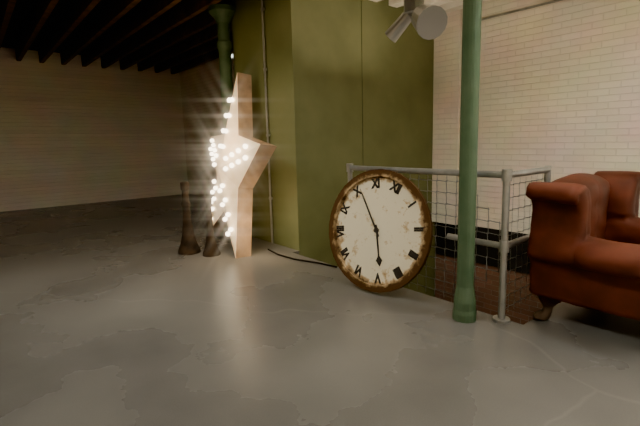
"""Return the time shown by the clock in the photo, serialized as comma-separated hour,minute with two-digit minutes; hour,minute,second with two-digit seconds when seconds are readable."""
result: 4,51
